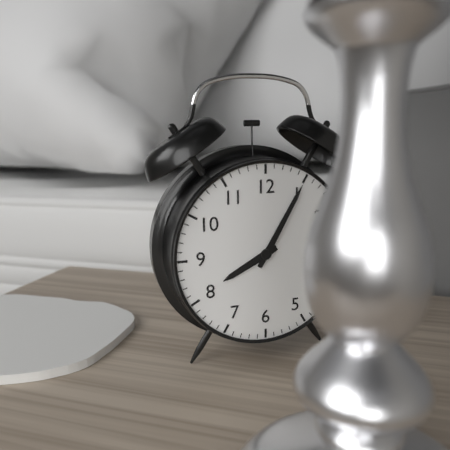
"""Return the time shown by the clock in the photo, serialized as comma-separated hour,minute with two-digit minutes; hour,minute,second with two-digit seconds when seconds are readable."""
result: 8,05
